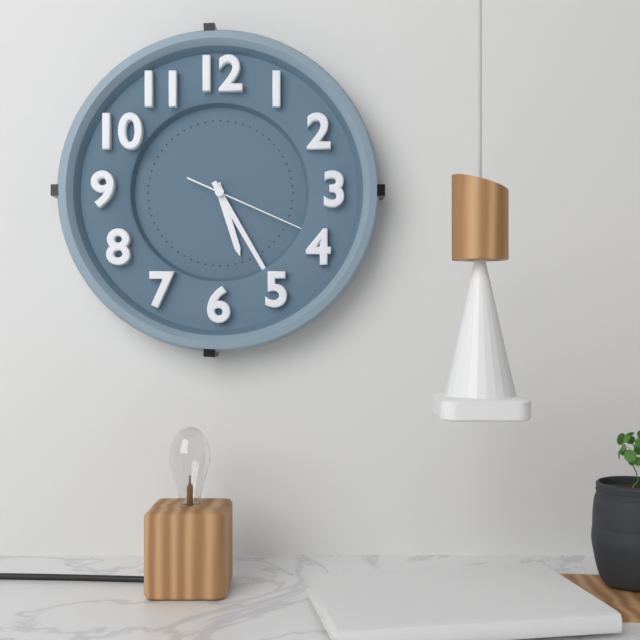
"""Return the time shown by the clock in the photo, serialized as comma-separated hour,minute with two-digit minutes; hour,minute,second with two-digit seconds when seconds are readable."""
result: 5,25,19
